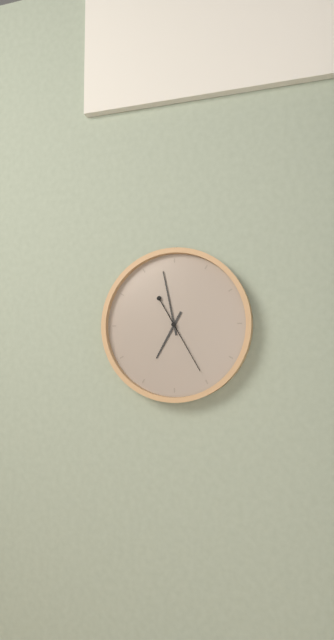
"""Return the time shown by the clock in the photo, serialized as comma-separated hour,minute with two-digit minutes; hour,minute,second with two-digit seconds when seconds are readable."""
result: 6,58,25
